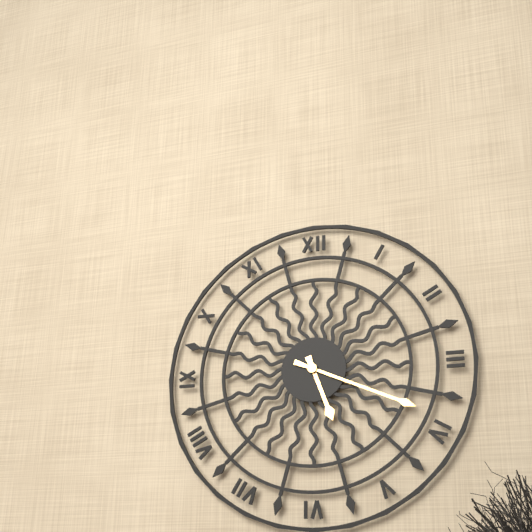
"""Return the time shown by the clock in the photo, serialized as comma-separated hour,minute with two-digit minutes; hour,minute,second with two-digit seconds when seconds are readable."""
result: 5,19
